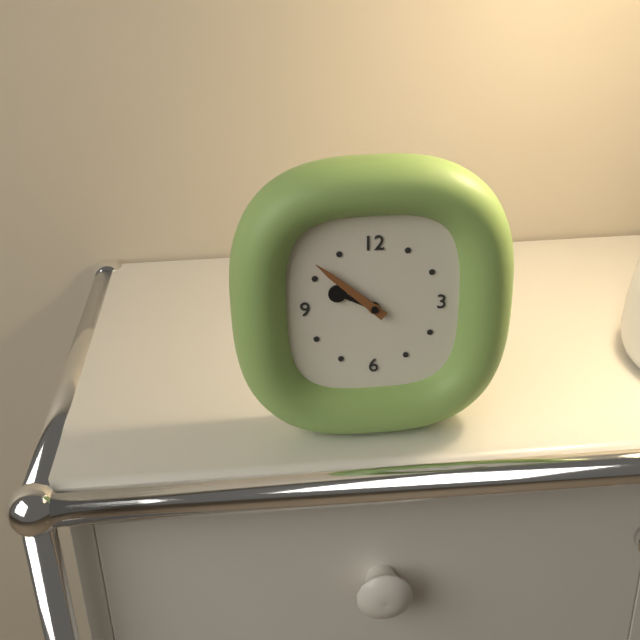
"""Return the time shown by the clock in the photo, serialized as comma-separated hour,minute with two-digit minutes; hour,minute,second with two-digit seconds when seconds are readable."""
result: 9,52
